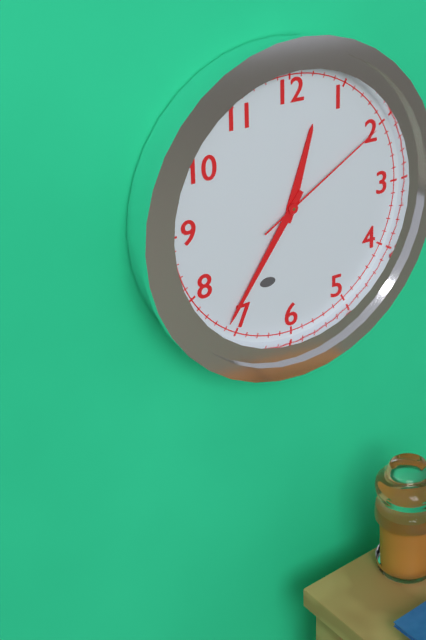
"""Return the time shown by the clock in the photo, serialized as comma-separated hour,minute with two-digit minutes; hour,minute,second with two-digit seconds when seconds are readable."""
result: 12,36,10
